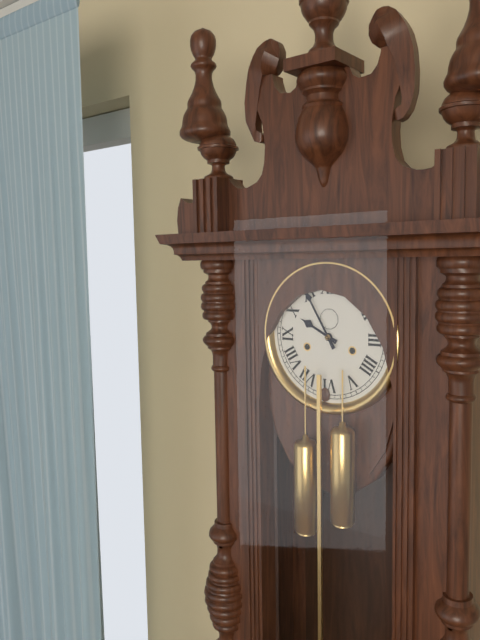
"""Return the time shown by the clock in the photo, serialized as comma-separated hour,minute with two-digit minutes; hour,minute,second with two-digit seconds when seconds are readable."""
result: 9,55
